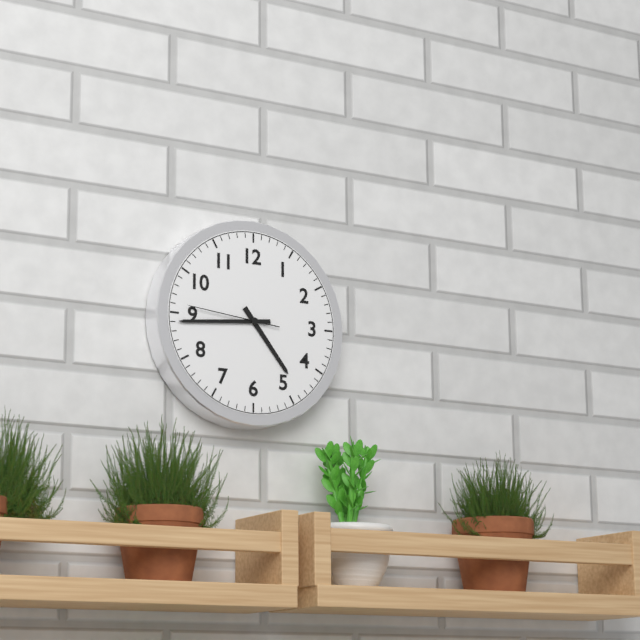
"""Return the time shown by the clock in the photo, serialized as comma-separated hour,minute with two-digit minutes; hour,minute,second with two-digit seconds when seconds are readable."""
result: 4,44,46
